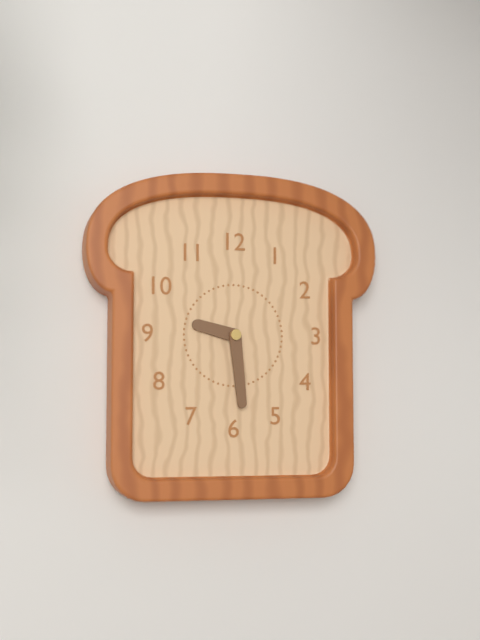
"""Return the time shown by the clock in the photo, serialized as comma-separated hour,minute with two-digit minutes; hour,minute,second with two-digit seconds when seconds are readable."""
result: 9,29
